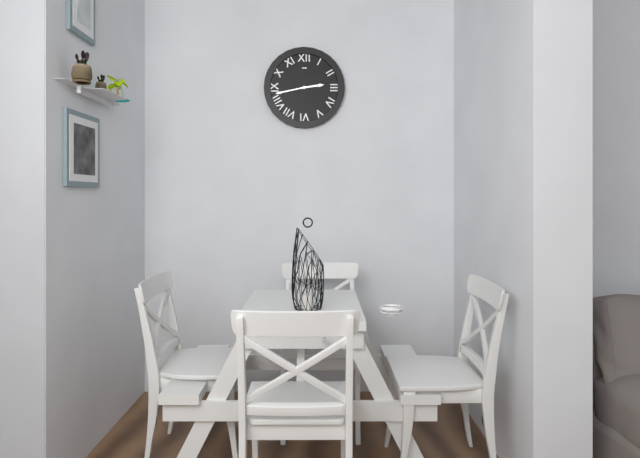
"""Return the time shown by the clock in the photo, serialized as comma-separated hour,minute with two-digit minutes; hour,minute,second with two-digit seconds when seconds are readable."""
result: 2,43
